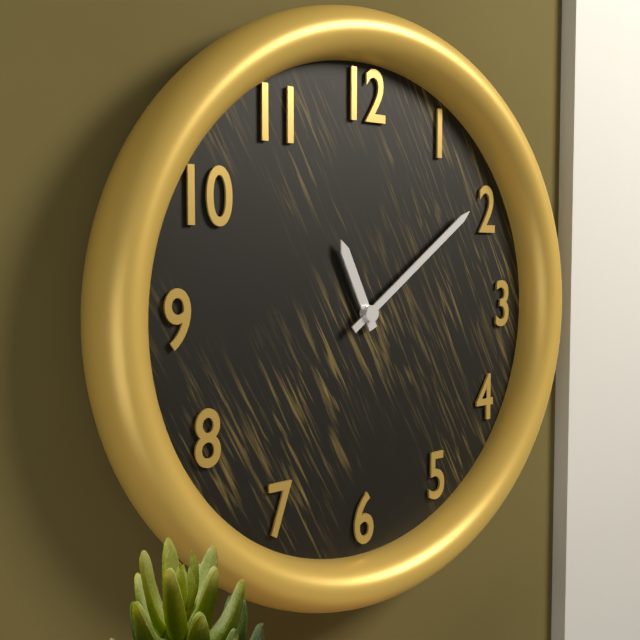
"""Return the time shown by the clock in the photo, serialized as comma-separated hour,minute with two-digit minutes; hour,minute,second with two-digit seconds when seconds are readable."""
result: 11,09
